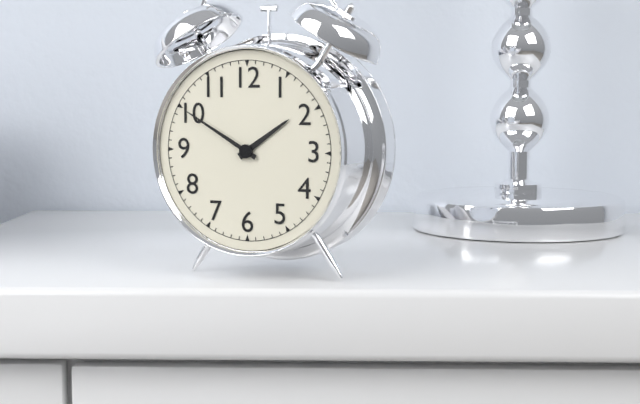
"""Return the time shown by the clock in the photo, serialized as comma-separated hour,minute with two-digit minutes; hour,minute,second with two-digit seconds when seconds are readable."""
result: 1,50
